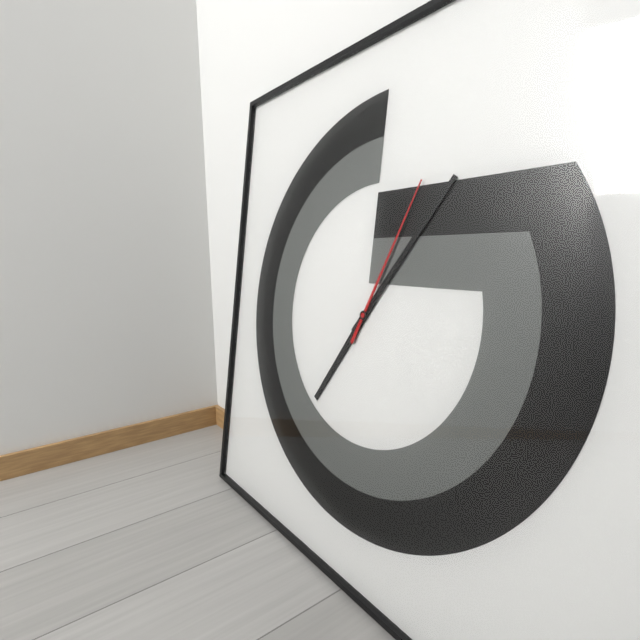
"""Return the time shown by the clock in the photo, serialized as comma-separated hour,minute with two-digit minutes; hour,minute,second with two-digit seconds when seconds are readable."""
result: 7,06,04
